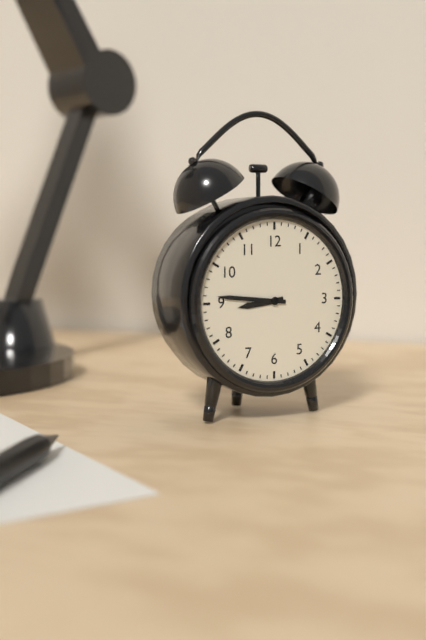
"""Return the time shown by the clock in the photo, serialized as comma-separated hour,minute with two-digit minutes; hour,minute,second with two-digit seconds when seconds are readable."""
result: 8,46
